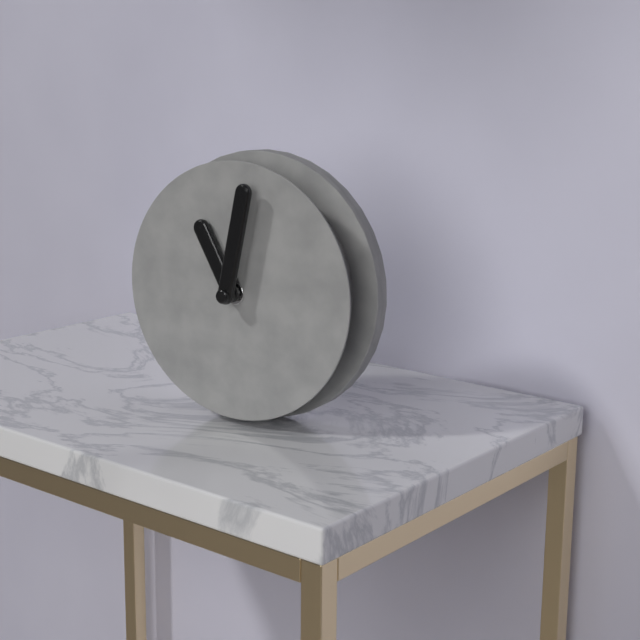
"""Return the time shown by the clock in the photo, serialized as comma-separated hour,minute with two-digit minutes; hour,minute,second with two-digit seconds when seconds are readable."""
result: 11,02
